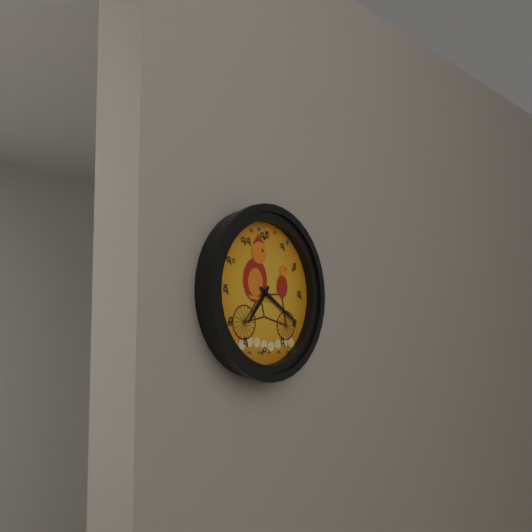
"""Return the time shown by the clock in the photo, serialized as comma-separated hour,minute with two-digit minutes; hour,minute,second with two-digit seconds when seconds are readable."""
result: 7,20
